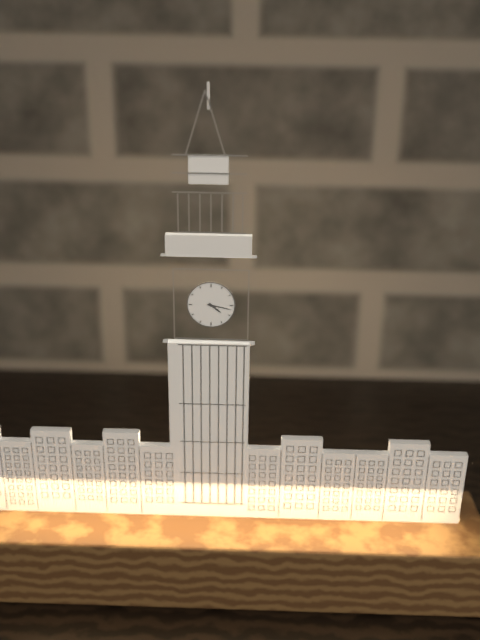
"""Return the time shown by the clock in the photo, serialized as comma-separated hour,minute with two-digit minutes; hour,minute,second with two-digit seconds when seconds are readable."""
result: 4,17
